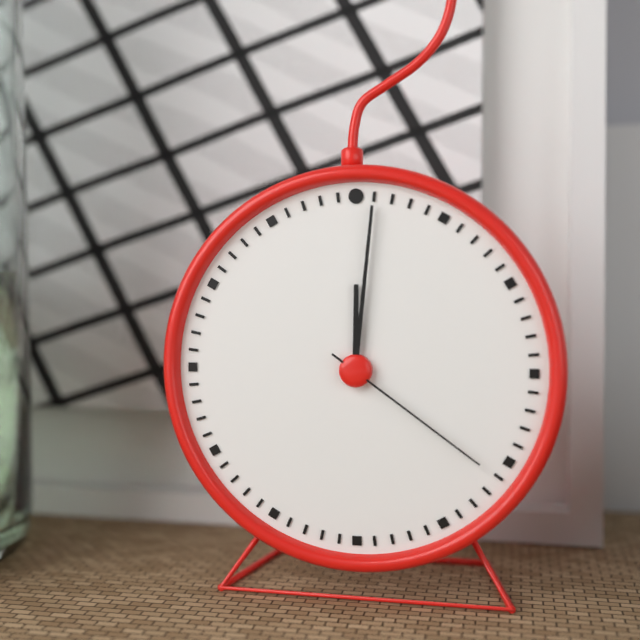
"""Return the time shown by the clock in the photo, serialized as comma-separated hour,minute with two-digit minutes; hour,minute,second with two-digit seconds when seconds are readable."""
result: 12,01,21
